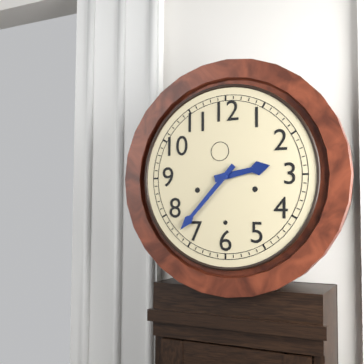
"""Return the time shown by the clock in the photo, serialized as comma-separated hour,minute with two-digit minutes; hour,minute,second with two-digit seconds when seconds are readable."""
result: 2,37
